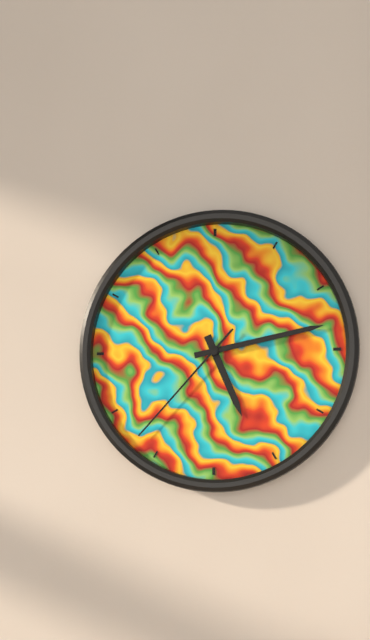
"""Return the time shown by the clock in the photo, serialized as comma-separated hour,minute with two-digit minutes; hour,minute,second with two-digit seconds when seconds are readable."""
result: 5,13,37
